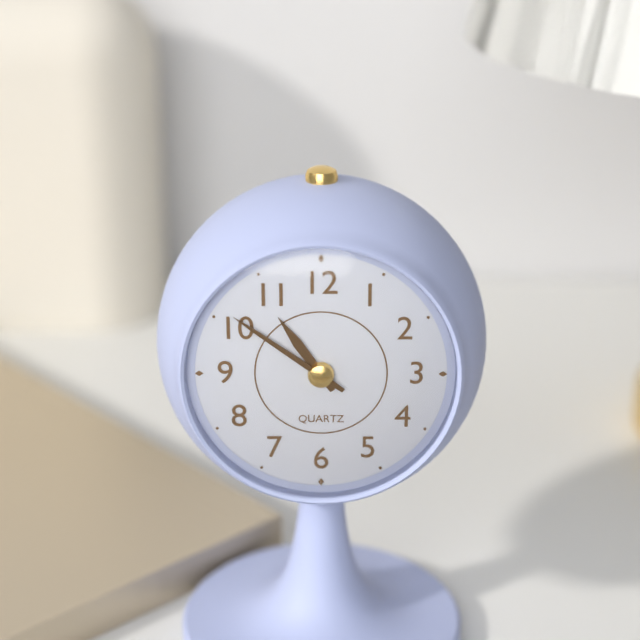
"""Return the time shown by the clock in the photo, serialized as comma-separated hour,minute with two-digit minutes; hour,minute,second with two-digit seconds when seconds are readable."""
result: 10,51
